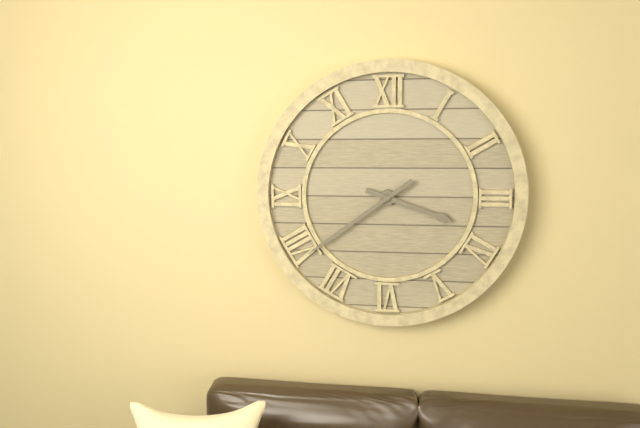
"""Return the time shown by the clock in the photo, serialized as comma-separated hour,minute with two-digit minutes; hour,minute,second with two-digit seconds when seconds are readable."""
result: 3,39
